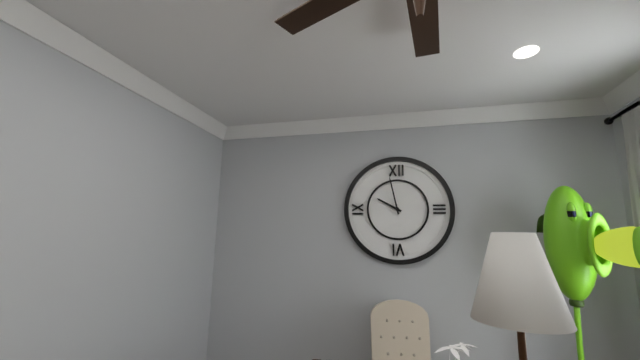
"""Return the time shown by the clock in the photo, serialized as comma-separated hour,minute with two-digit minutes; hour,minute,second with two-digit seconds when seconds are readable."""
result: 9,58
